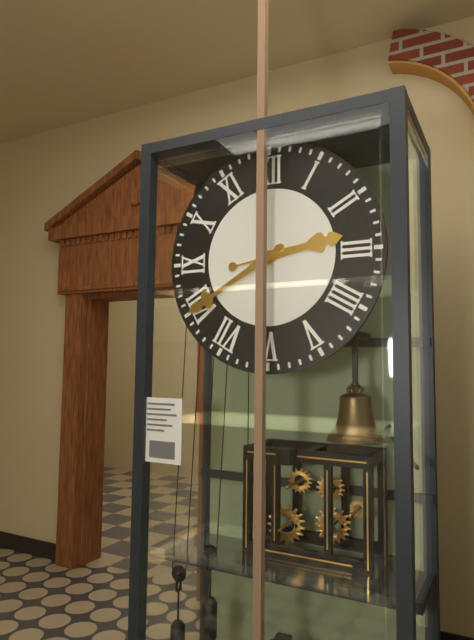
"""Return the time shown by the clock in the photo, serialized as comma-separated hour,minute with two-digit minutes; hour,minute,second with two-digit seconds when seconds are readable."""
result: 2,40
